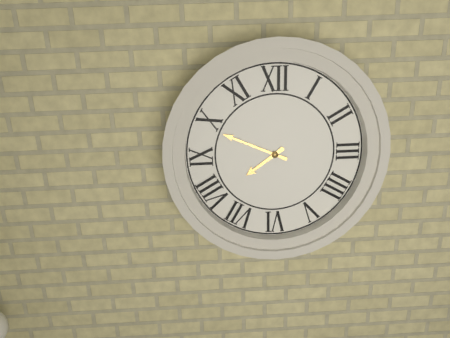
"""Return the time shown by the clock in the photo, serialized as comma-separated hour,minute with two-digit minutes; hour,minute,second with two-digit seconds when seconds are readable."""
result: 7,49
